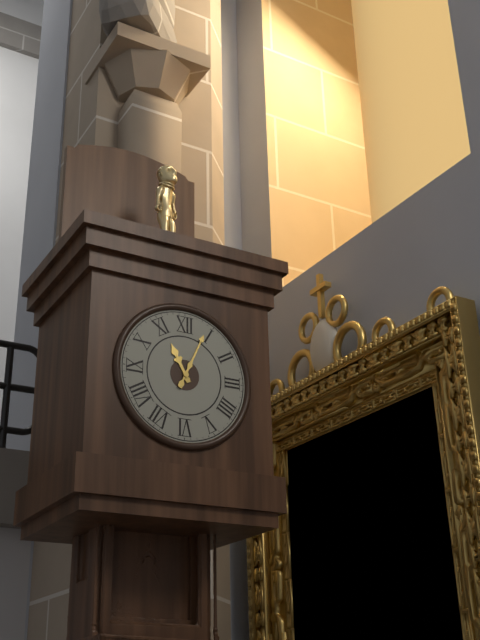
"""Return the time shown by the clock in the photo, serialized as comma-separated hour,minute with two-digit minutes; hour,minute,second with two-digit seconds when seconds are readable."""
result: 11,04
